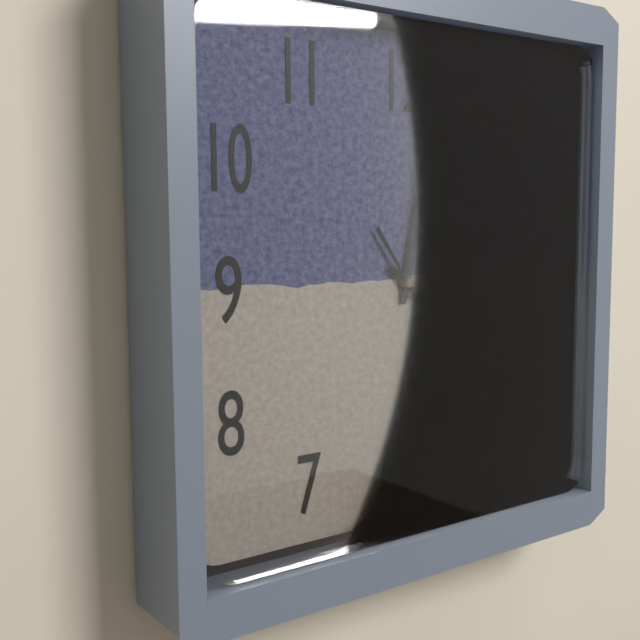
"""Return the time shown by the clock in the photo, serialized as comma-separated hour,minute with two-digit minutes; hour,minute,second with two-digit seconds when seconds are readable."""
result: 12,21,24
